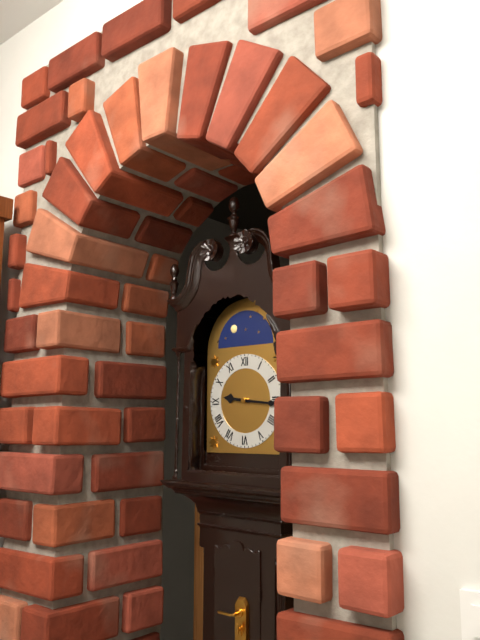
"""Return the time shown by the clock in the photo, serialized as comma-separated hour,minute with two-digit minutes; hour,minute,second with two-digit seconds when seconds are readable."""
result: 9,16
